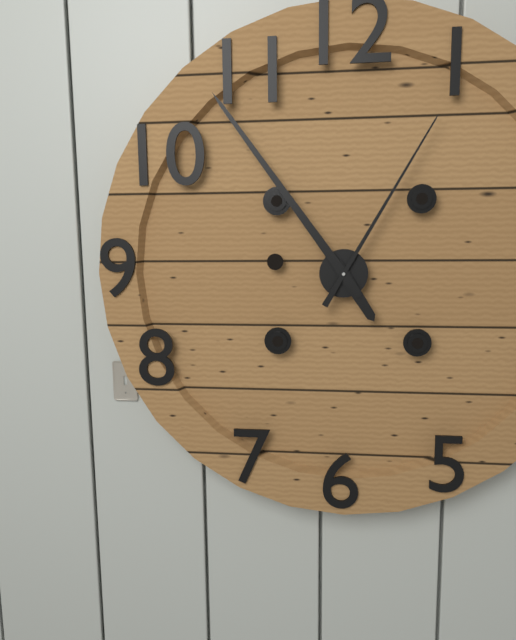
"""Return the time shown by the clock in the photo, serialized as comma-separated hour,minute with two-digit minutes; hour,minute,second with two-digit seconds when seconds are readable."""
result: 4,54,05
